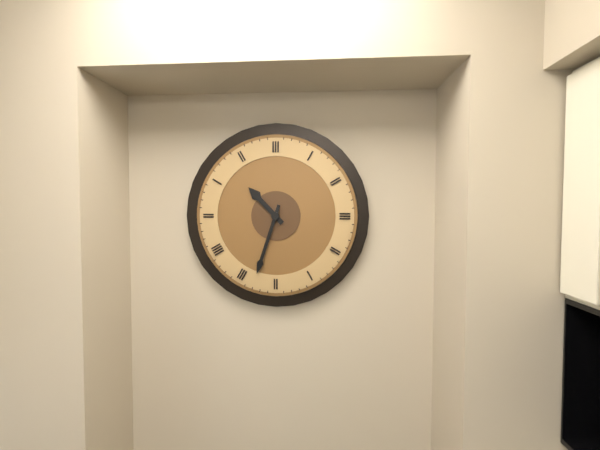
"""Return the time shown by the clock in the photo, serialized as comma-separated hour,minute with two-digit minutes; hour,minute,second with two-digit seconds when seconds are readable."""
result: 10,33
